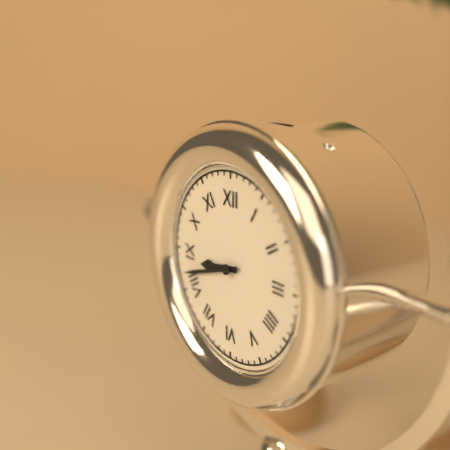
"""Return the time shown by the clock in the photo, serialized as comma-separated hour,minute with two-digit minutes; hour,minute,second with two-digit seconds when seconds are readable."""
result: 8,42
